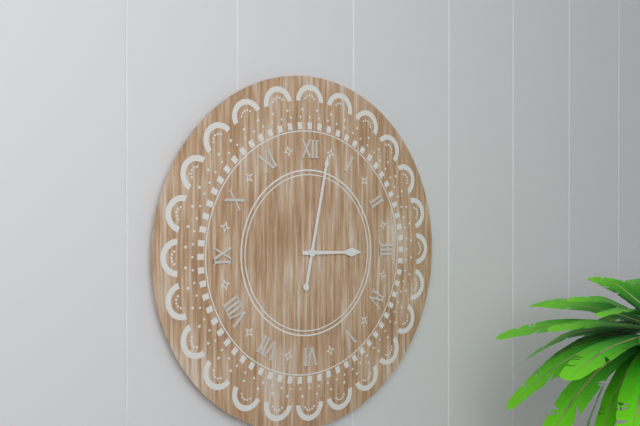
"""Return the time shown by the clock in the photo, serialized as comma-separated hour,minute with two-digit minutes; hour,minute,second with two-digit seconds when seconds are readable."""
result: 3,02
